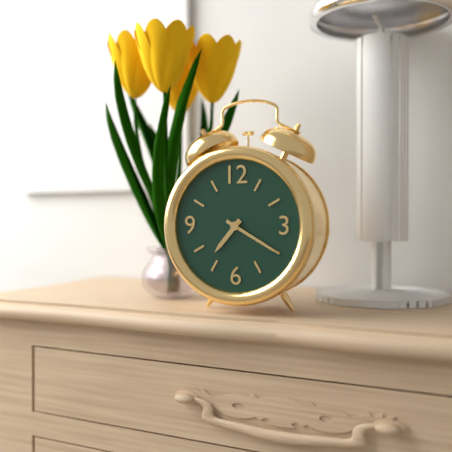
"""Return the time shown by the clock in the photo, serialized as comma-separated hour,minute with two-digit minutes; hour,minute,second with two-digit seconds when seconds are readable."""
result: 7,20
